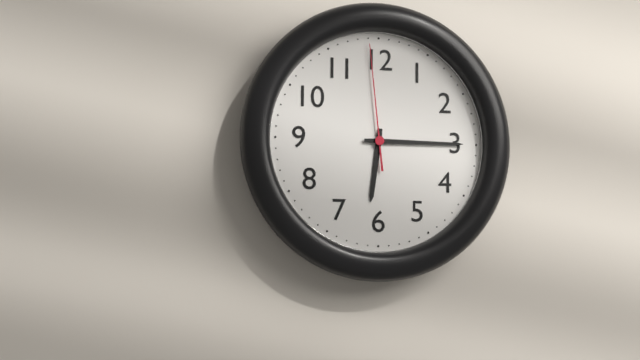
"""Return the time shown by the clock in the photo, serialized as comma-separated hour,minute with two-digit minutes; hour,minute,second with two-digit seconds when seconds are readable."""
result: 6,15,59
